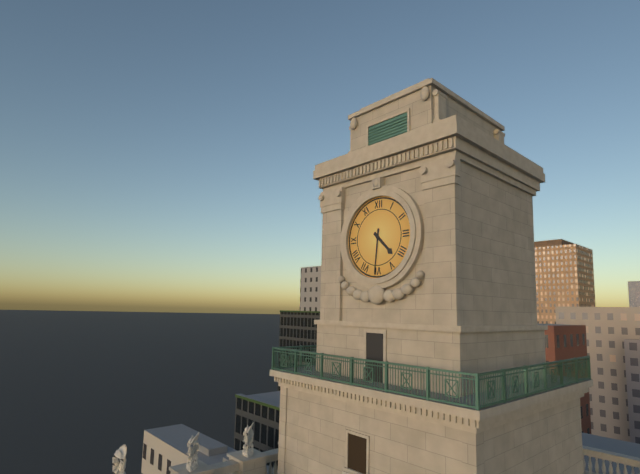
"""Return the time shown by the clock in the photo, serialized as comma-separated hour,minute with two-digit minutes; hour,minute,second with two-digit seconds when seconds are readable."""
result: 4,31
